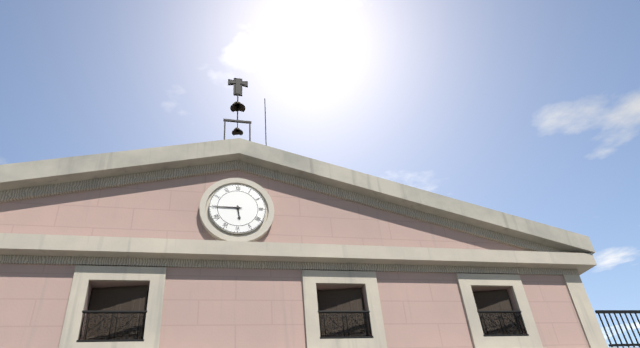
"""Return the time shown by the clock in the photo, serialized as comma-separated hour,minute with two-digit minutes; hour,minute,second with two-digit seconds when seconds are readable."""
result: 5,45
